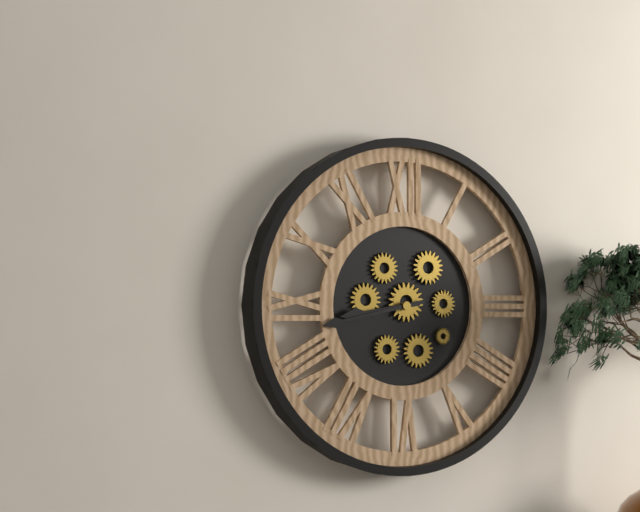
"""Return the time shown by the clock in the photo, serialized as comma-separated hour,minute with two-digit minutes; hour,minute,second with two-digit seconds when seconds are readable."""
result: 8,43
